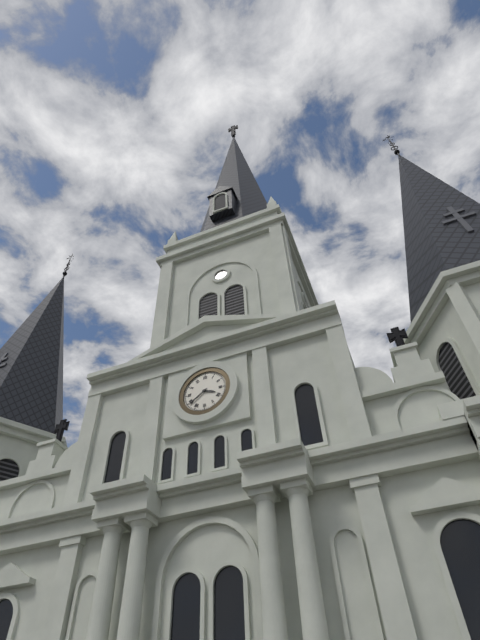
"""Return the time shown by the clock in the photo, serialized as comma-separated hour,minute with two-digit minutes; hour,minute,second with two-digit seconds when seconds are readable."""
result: 3,39
